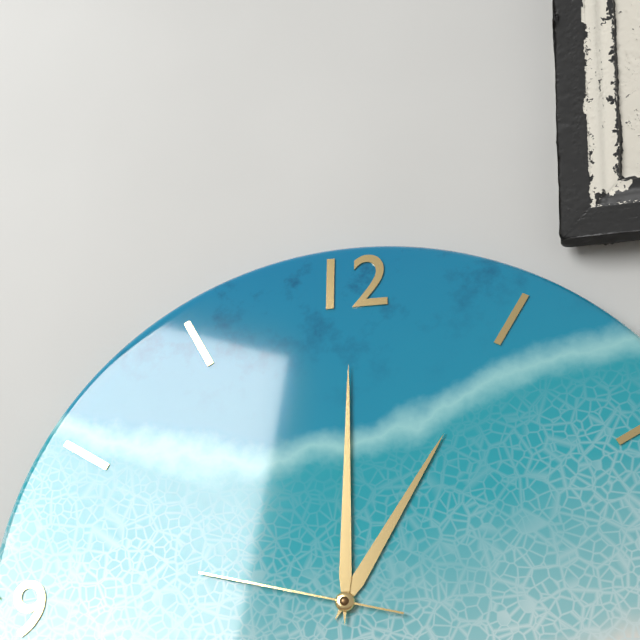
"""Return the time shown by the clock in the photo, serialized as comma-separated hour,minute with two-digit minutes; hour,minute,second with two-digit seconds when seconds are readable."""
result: 1,00,47
